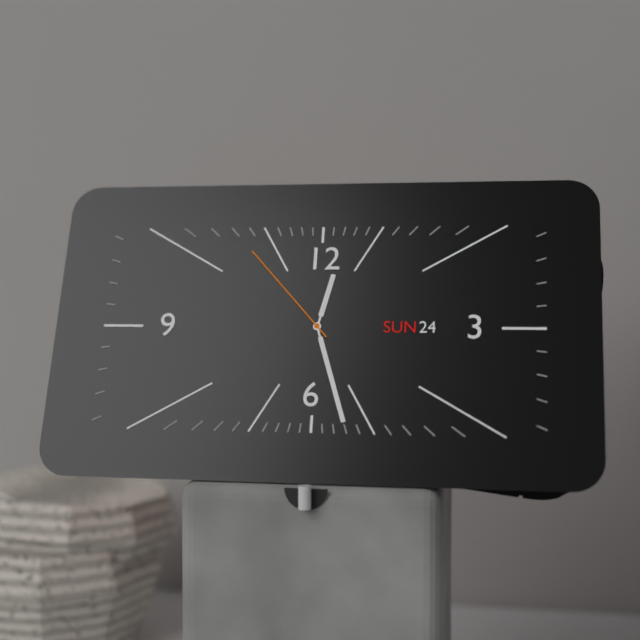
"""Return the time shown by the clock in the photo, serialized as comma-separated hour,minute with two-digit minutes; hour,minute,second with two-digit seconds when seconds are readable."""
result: 12,27,53
